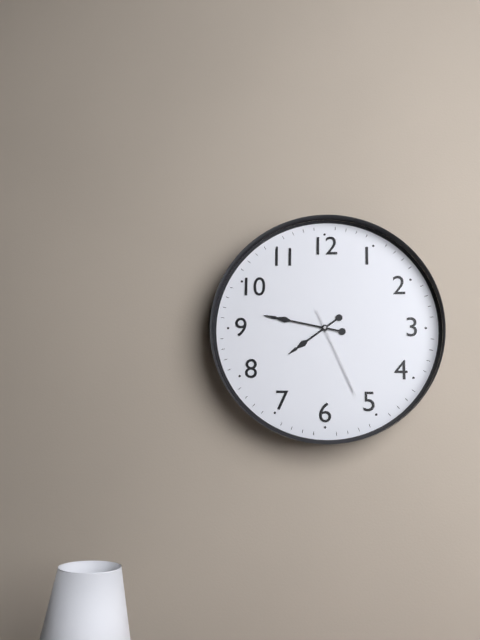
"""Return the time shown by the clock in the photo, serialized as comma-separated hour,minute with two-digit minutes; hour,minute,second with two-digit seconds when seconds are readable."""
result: 7,47,26
